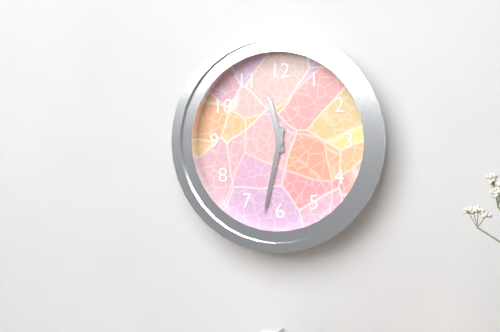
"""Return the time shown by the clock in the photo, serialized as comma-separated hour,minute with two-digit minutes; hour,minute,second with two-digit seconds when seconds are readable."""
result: 11,32
